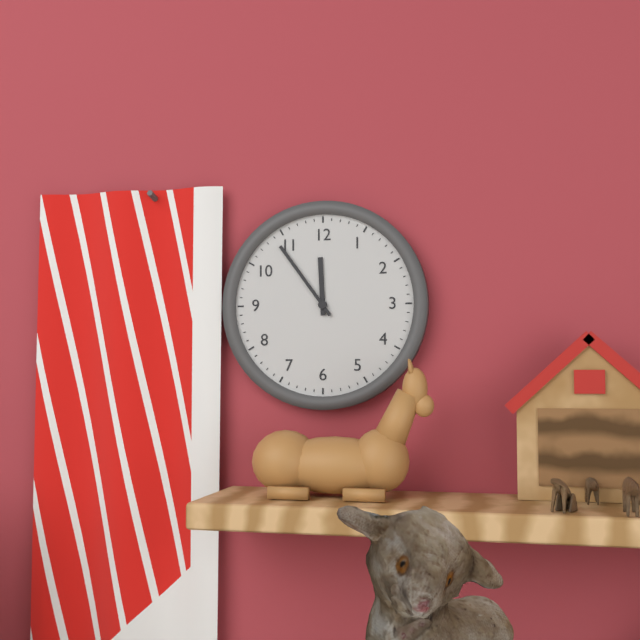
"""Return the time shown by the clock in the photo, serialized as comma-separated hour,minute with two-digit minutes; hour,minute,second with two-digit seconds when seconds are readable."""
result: 11,54
